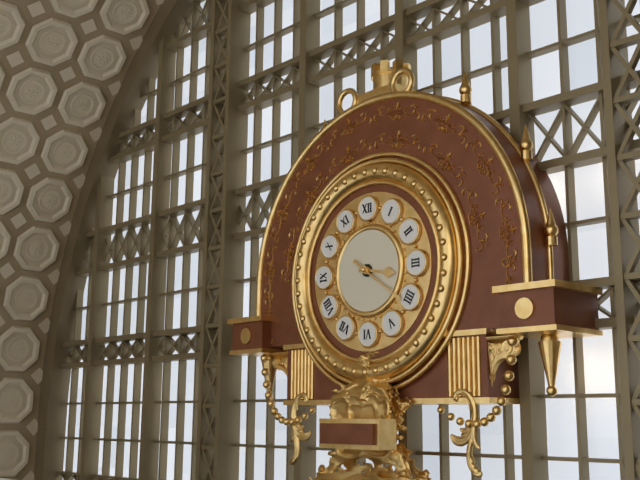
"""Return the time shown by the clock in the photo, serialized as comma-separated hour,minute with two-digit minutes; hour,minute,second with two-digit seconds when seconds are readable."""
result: 3,21
